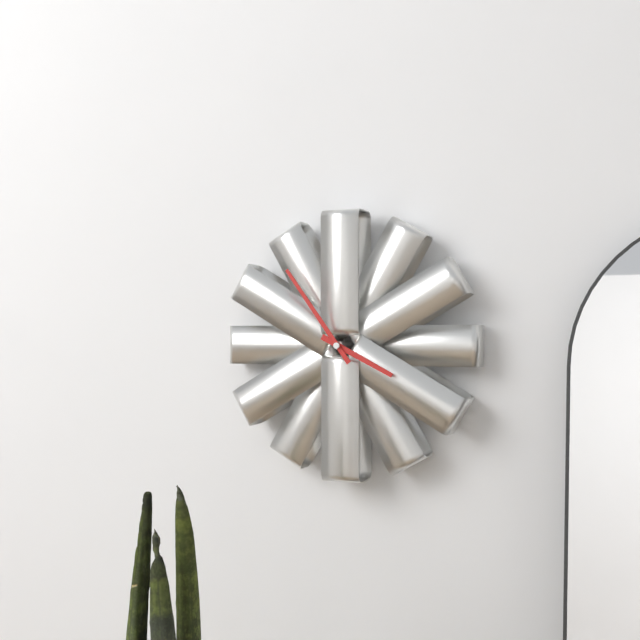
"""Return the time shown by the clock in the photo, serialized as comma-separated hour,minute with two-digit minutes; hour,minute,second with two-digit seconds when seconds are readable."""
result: 3,54
